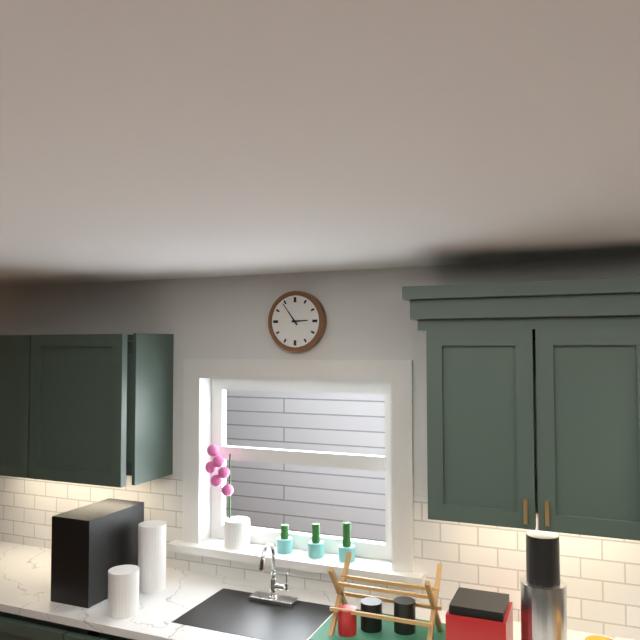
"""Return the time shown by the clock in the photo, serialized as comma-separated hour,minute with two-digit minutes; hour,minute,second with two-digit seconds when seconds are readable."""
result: 2,54
